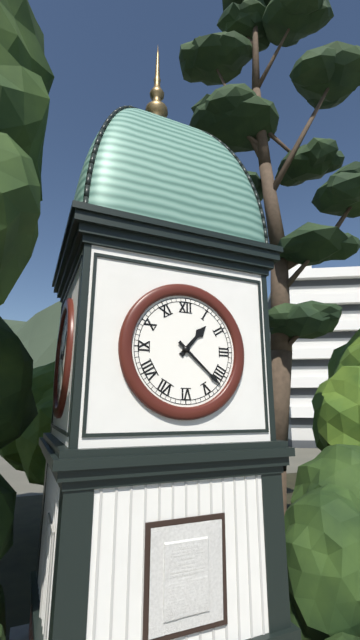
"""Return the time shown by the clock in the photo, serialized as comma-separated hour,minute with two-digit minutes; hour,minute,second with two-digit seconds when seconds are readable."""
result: 1,22
